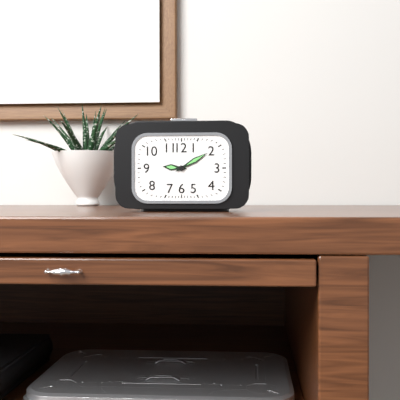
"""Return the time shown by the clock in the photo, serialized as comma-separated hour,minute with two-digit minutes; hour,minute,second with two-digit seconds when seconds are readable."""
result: 9,10
